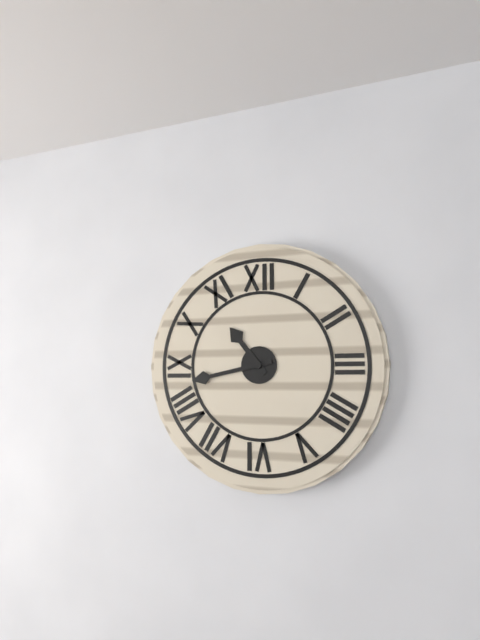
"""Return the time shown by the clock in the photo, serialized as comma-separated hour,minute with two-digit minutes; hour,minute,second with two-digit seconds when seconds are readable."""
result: 10,43
